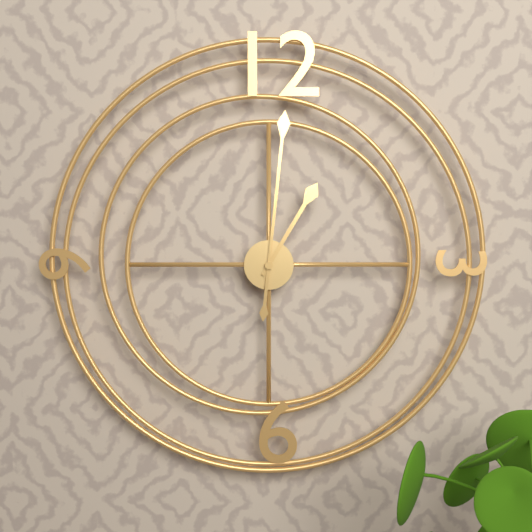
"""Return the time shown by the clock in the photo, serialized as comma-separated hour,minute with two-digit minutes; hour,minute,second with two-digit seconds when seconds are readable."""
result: 1,01
